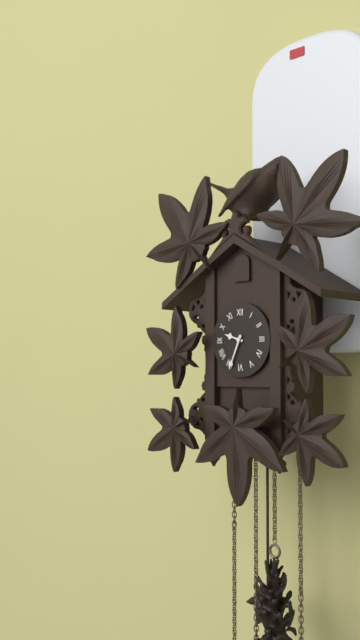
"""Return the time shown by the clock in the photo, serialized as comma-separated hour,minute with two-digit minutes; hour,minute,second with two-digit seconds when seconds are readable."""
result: 9,34
